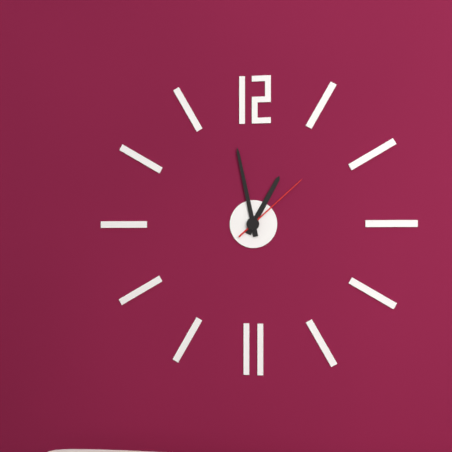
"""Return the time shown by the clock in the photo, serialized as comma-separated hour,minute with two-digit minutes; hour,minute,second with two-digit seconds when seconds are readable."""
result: 12,58,08
